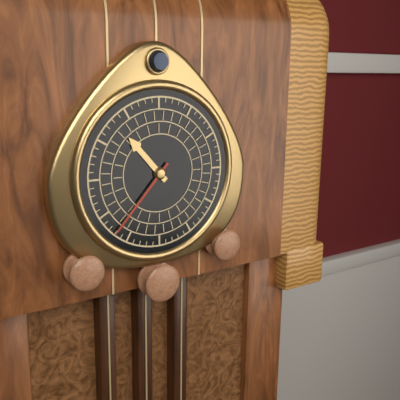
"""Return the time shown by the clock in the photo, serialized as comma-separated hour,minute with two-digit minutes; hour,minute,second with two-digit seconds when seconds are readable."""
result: 10,37
